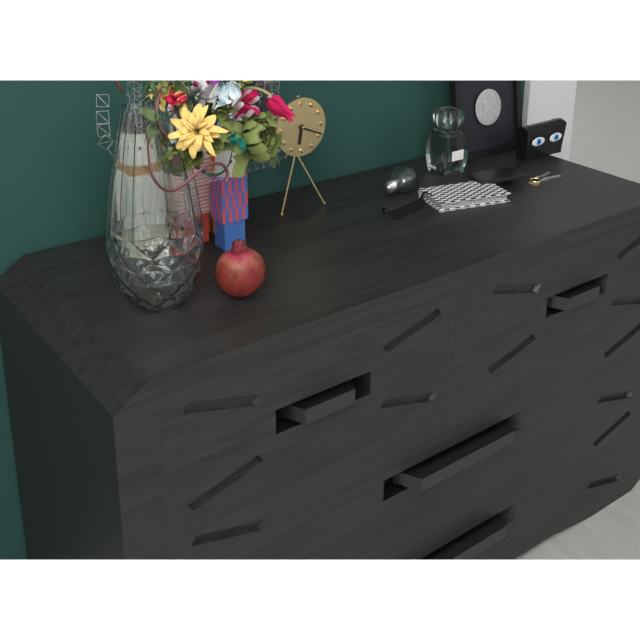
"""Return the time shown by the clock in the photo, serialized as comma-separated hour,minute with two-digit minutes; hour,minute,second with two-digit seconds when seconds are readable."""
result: 6,19
